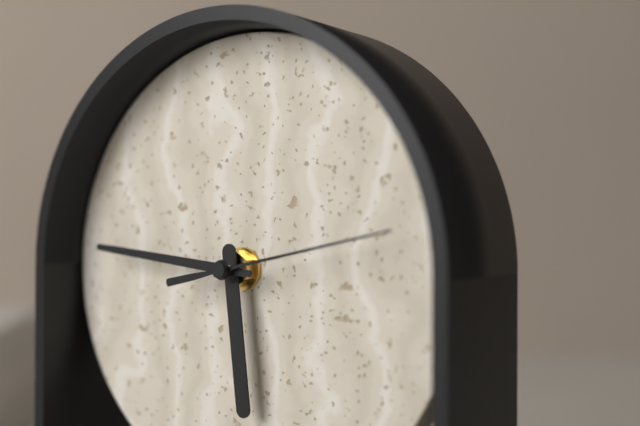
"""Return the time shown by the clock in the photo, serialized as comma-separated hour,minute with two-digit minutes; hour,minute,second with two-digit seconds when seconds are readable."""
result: 5,46,13
